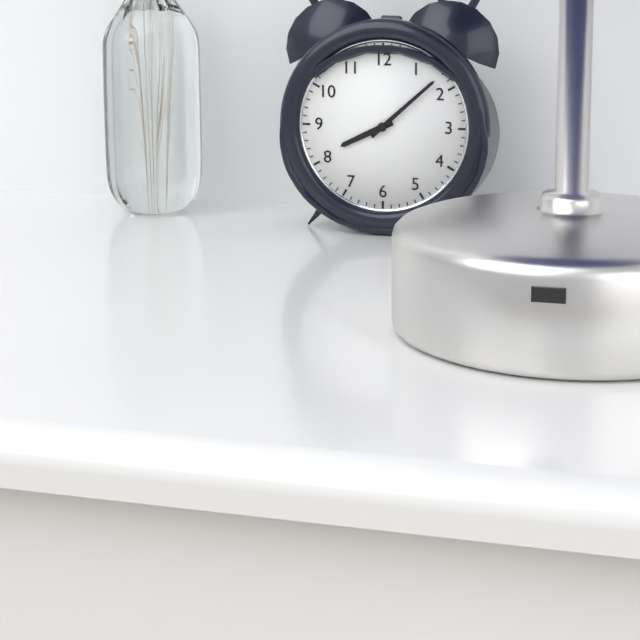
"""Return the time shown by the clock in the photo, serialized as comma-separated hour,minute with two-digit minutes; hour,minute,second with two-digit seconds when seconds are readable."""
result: 8,08
